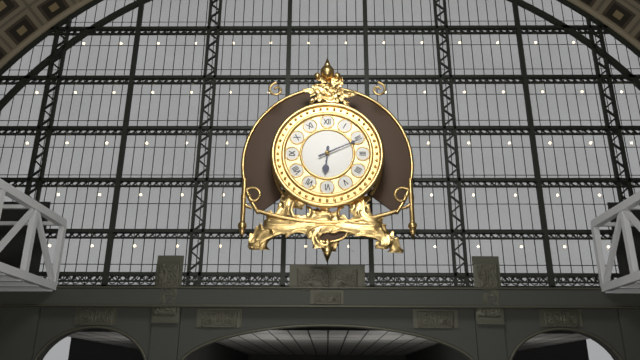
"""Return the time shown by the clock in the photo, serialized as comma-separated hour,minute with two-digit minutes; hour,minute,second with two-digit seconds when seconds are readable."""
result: 6,11
